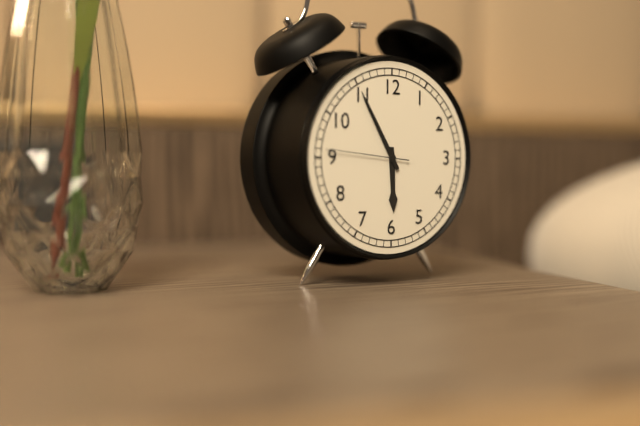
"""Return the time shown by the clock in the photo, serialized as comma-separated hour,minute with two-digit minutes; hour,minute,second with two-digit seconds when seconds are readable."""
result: 5,55,46
